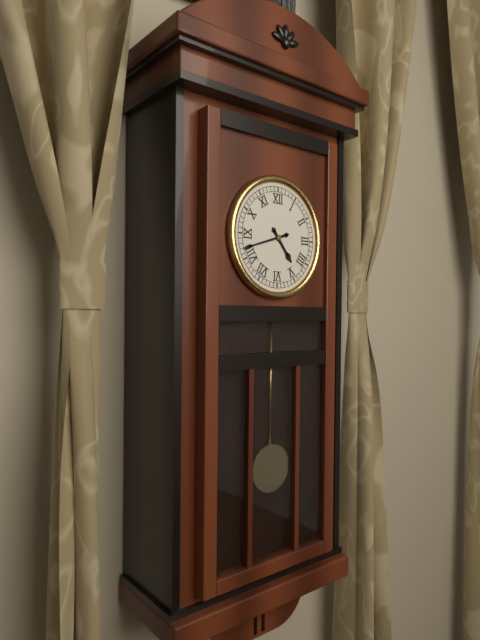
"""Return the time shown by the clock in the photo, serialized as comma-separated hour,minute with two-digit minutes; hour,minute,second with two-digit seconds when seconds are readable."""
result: 4,42
